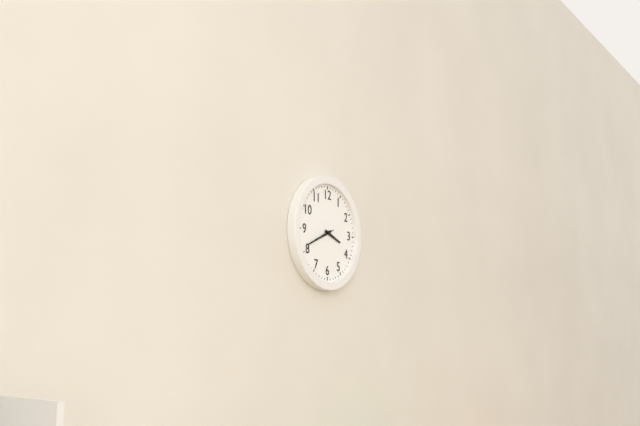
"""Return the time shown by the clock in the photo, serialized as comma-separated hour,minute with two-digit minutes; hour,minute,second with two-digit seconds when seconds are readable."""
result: 3,41
